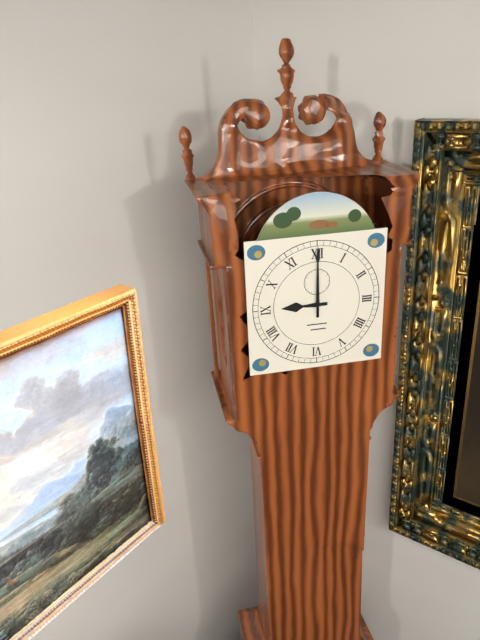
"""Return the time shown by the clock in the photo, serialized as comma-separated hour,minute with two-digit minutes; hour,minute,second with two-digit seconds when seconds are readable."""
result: 9,00
